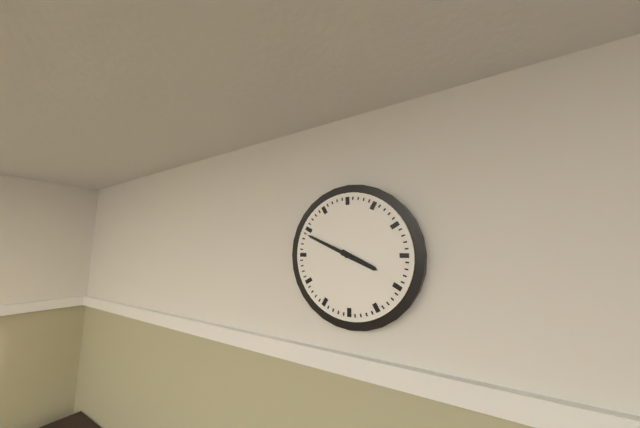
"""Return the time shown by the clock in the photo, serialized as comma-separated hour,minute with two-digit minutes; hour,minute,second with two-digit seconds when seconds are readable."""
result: 3,49
